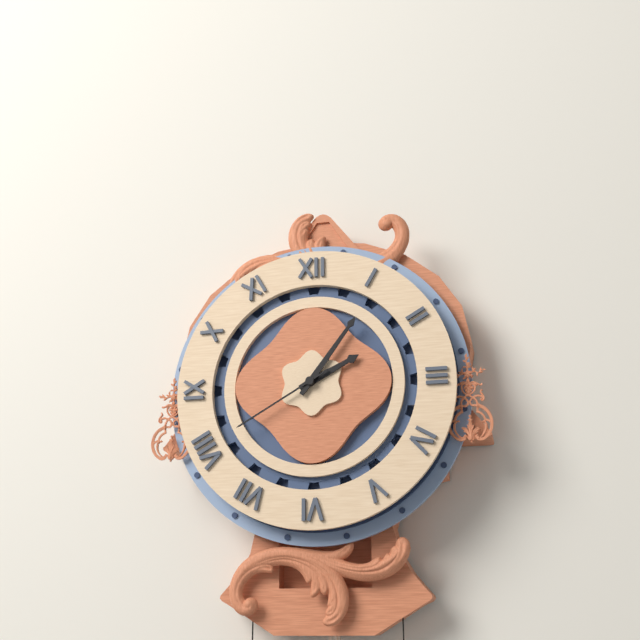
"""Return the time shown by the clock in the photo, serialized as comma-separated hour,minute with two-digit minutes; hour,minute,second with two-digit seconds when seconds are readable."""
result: 2,06,40
